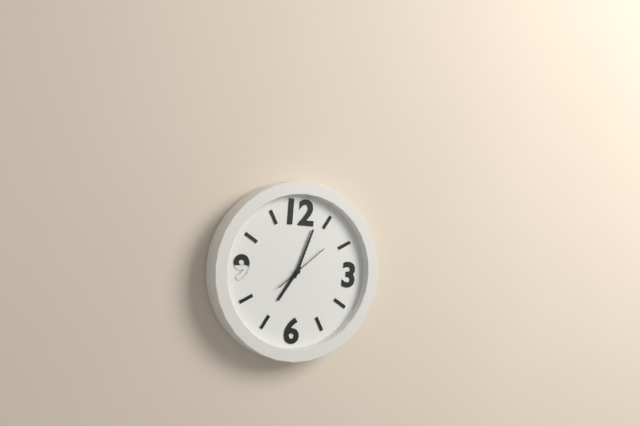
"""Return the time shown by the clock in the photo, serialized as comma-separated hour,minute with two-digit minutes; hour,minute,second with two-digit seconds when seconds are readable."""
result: 7,03
